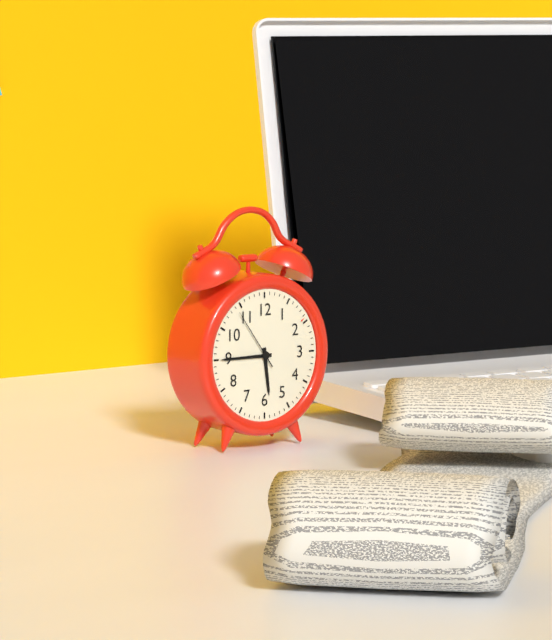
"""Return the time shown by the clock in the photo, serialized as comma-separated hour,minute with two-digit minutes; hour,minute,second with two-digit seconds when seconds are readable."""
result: 5,45,54
